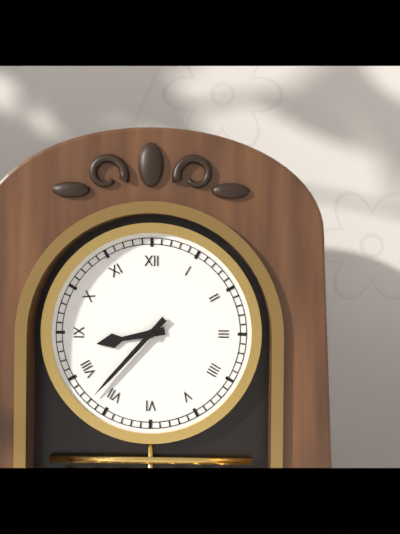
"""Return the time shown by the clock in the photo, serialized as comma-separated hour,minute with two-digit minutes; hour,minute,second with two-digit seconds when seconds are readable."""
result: 8,37
